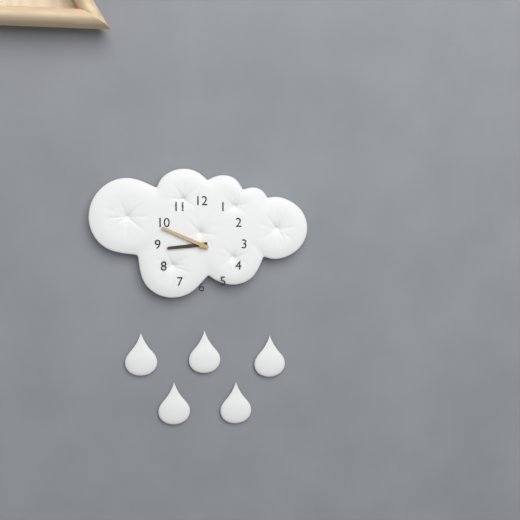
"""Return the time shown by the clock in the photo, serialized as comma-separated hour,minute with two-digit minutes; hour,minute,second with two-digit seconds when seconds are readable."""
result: 8,49
